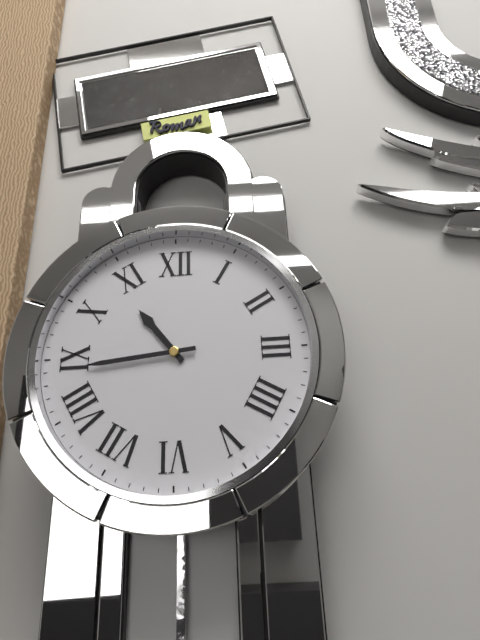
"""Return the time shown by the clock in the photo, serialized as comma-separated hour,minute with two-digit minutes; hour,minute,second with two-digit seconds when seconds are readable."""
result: 10,44
